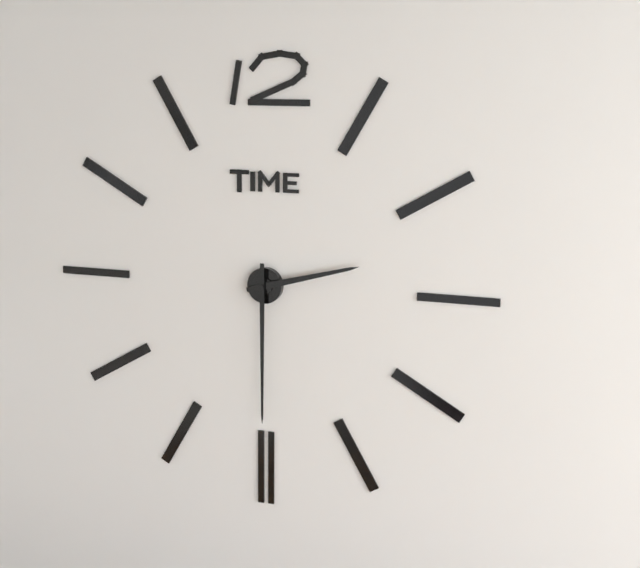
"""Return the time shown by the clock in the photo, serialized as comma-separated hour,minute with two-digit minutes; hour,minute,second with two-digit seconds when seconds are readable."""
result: 2,30
